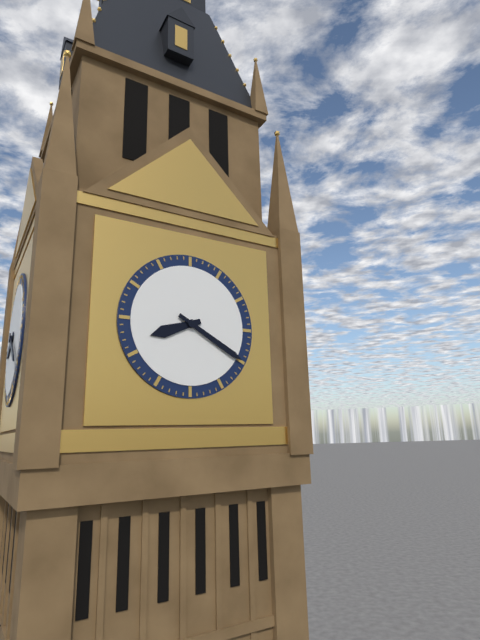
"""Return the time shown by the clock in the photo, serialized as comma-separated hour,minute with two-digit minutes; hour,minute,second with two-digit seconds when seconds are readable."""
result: 8,20
